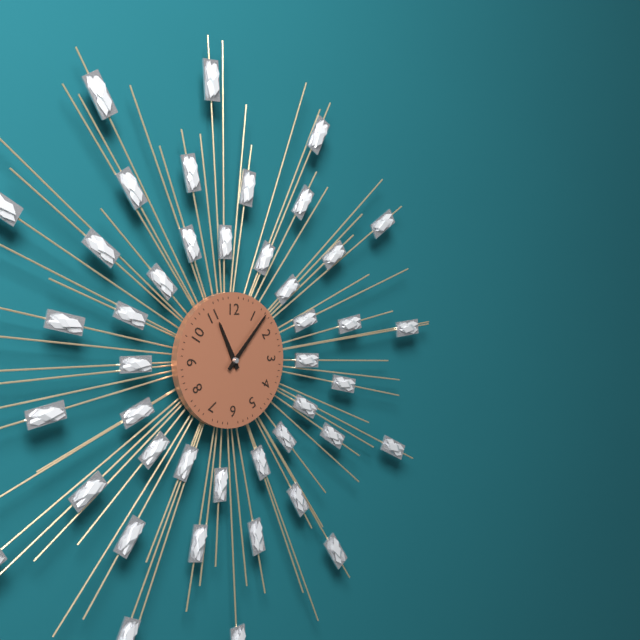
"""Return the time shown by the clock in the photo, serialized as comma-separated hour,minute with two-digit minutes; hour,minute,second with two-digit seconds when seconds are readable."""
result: 11,07
